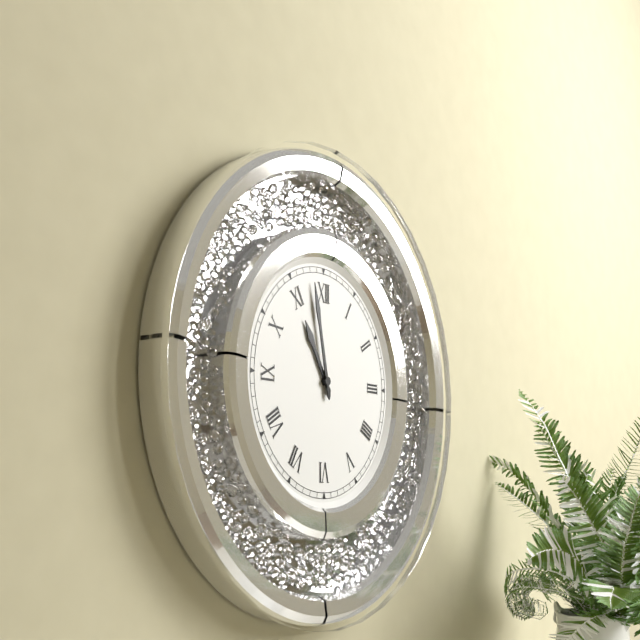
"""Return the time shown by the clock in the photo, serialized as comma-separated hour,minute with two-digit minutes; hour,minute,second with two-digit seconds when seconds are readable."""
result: 10,58
